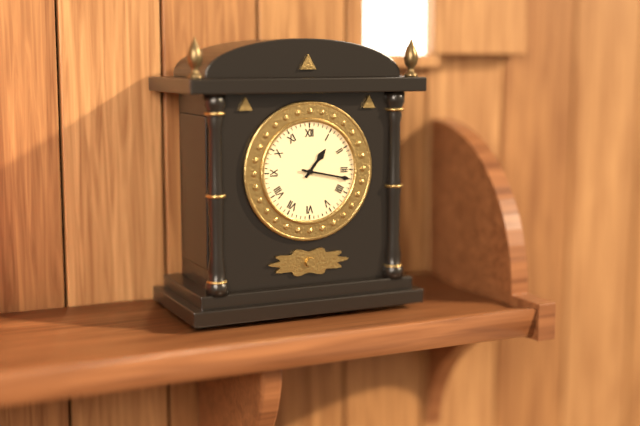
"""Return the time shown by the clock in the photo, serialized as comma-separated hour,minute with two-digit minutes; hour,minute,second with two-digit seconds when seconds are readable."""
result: 1,17
